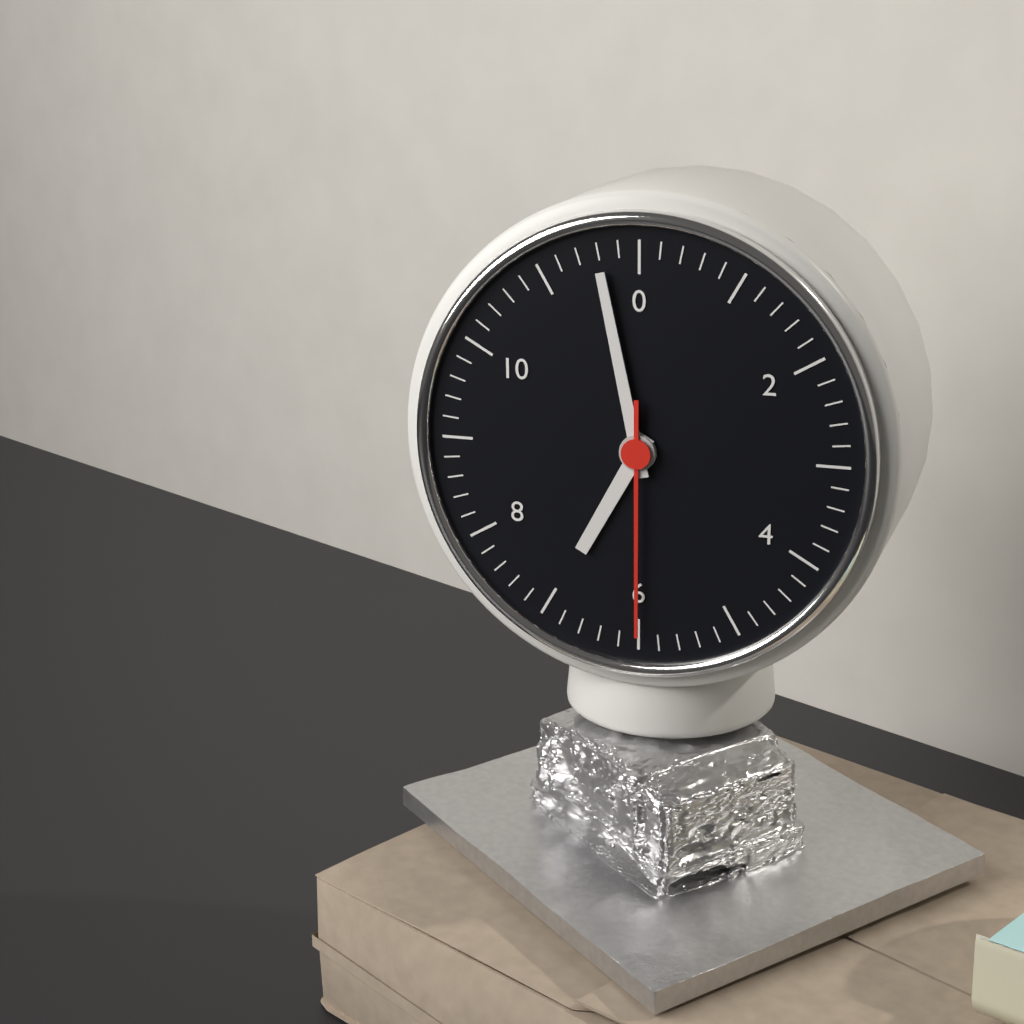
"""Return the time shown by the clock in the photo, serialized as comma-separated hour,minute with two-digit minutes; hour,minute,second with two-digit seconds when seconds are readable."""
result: 6,58,30
